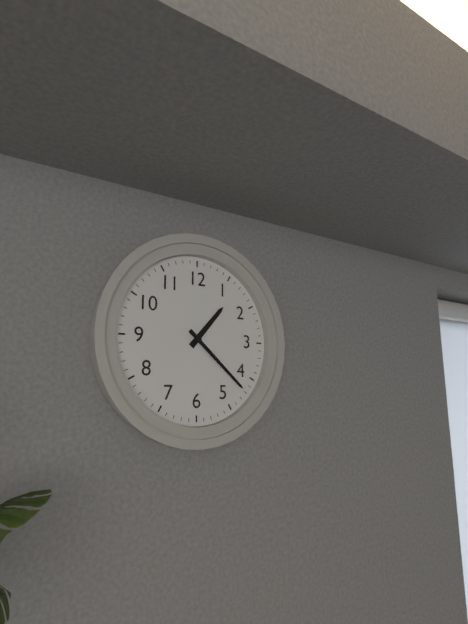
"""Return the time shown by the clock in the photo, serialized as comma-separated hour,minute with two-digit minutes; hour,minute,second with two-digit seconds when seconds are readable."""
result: 1,22
